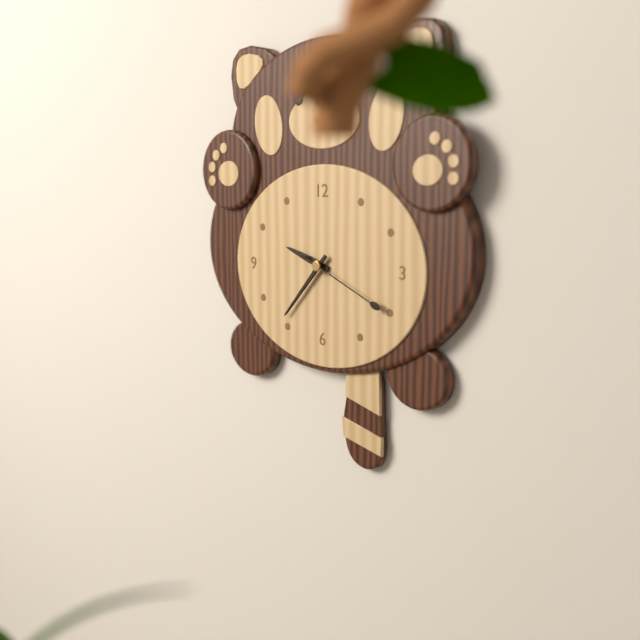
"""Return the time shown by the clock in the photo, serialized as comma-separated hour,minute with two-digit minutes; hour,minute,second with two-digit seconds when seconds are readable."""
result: 9,37,19
